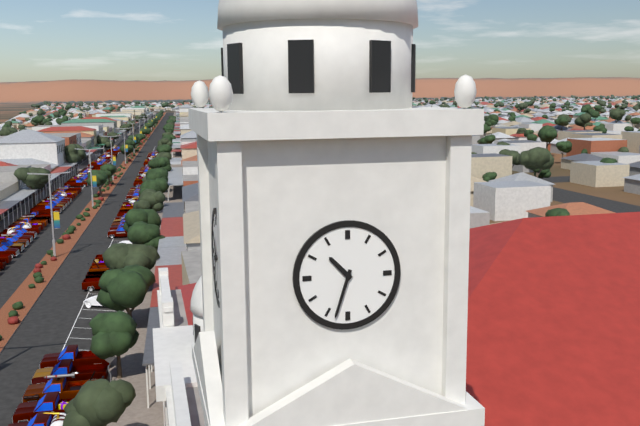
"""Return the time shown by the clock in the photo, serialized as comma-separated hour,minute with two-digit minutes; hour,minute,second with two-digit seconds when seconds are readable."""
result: 10,33
